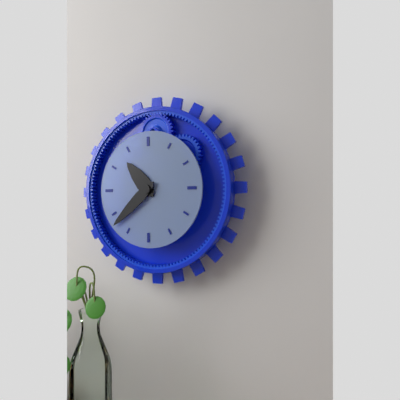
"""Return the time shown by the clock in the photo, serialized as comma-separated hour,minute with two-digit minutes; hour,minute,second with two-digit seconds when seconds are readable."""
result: 10,38
